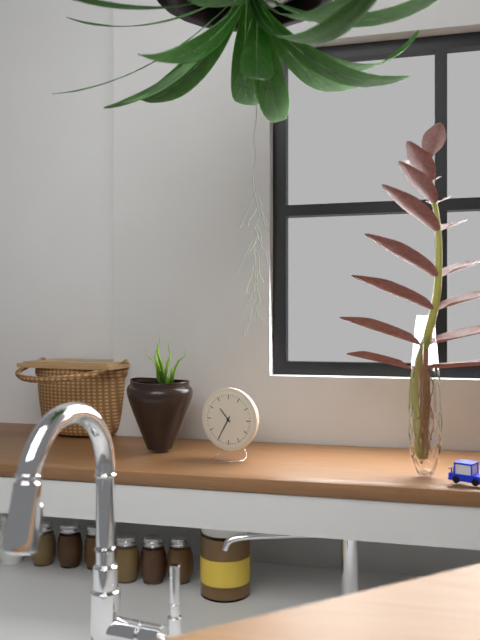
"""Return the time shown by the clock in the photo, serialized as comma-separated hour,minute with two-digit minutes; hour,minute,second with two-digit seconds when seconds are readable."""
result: 10,35
